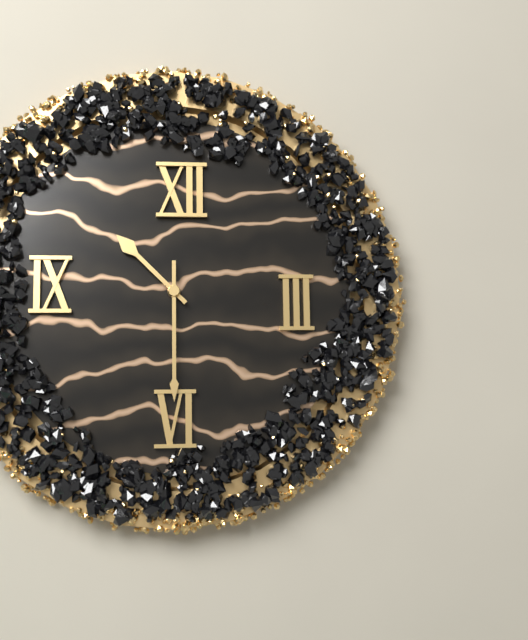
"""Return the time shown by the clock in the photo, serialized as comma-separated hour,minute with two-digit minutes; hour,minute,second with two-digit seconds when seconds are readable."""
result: 10,30
